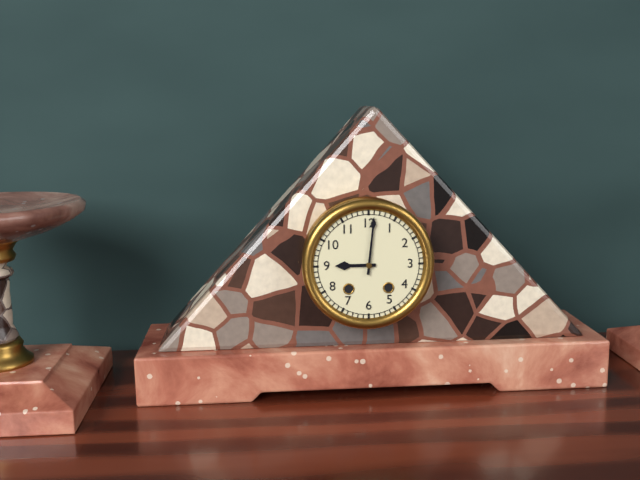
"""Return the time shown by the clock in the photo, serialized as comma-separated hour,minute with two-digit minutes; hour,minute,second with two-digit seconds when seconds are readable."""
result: 9,01
